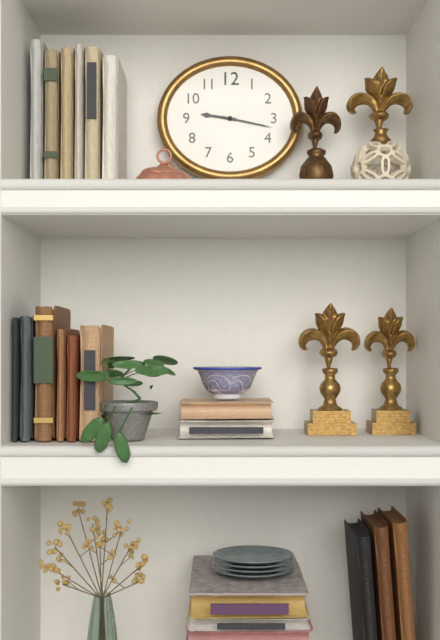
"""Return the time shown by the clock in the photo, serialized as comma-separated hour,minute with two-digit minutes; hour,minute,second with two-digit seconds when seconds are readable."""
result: 9,17
